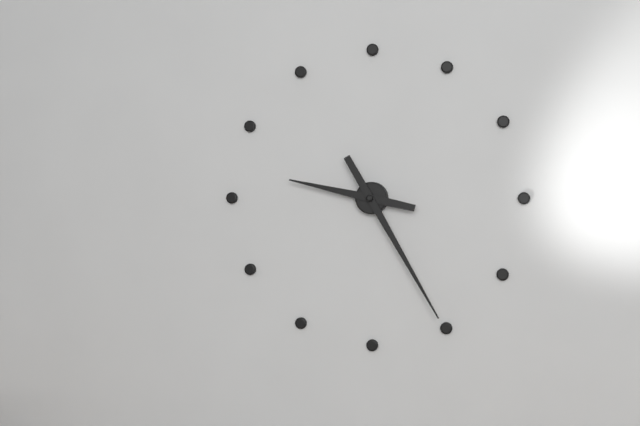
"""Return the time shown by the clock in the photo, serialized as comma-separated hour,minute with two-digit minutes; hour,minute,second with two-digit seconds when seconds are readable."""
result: 9,25
